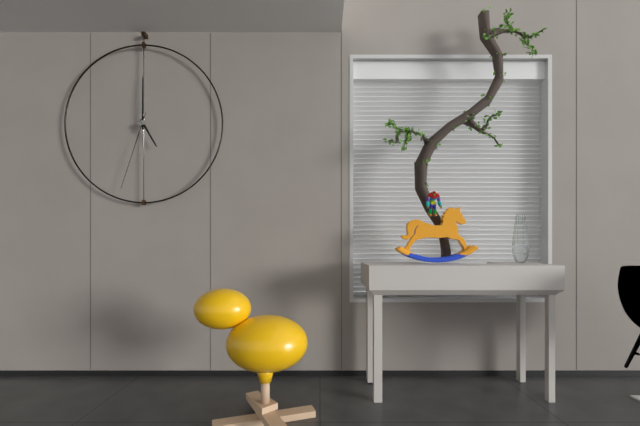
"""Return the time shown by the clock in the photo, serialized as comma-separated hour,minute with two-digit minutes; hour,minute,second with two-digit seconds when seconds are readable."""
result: 5,00,33
